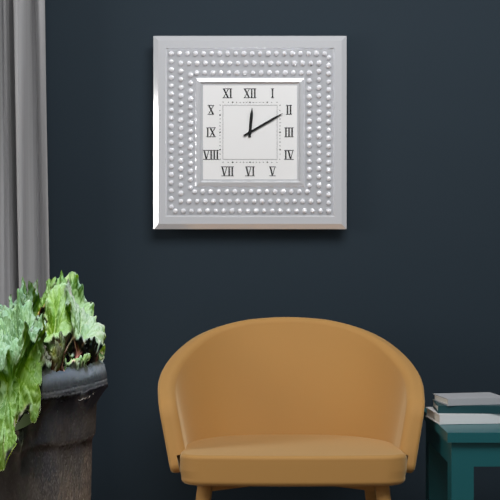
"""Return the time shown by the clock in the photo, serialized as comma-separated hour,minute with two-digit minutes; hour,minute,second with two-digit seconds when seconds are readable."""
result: 12,10
